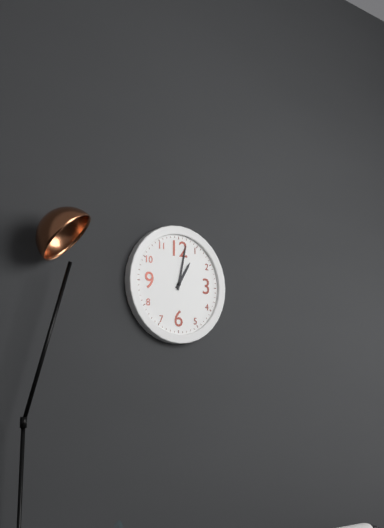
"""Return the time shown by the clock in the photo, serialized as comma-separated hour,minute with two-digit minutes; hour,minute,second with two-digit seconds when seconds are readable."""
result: 1,02
